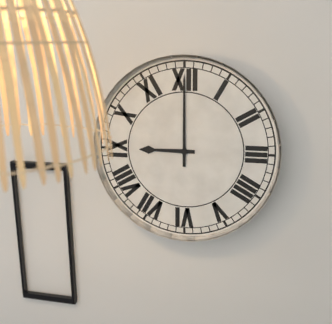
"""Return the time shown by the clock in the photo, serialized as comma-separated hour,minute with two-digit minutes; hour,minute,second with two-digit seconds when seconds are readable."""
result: 9,00
